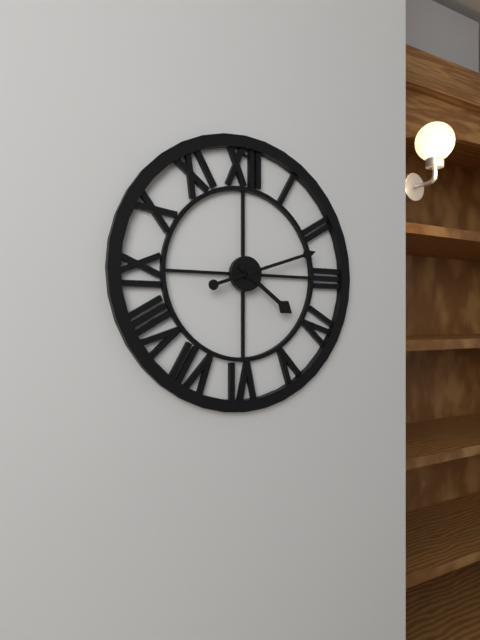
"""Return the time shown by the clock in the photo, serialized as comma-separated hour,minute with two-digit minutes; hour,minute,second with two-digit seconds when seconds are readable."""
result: 4,12
